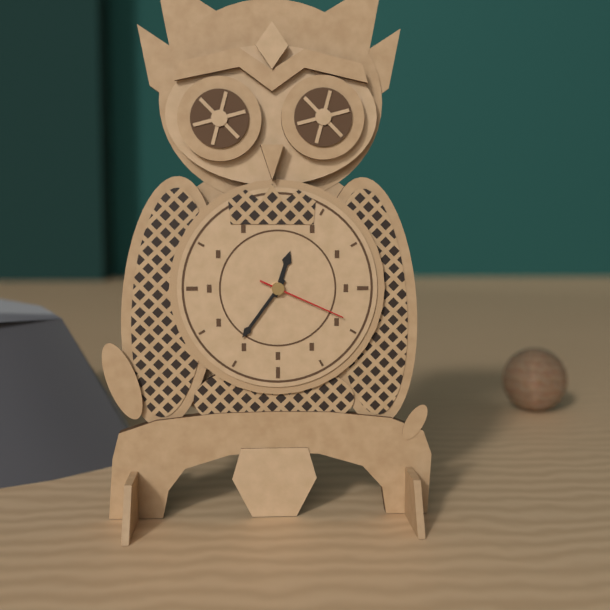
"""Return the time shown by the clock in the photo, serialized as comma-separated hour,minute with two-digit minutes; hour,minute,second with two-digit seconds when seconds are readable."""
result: 12,36,19
